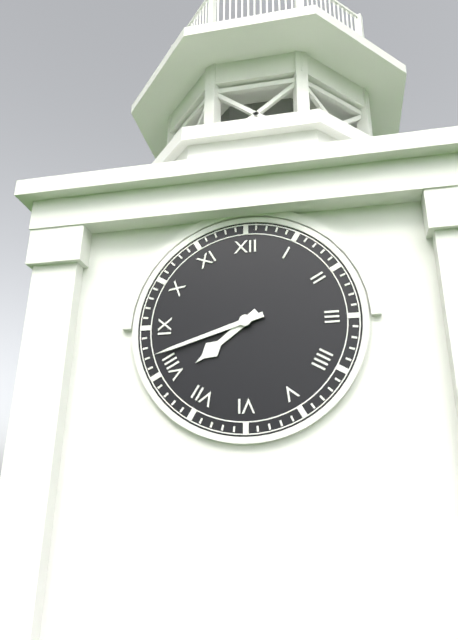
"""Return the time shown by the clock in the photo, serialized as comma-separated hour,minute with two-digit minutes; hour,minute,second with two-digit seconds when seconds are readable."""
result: 7,42
